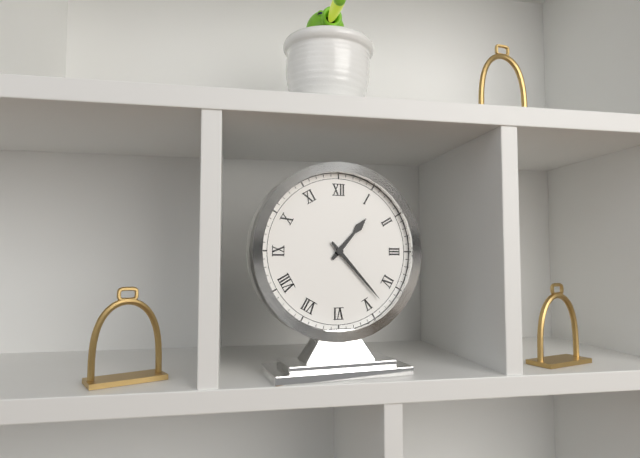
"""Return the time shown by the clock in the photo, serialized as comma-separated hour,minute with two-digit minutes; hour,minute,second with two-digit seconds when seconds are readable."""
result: 1,23
